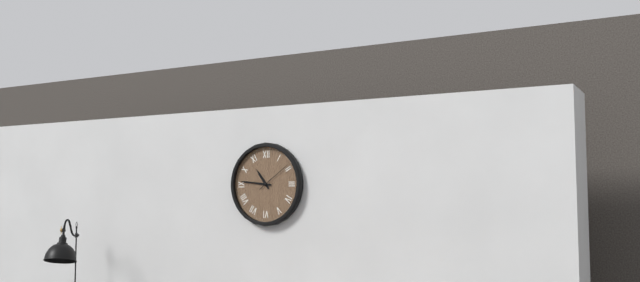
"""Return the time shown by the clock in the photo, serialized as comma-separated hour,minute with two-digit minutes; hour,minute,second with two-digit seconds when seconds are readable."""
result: 10,46
